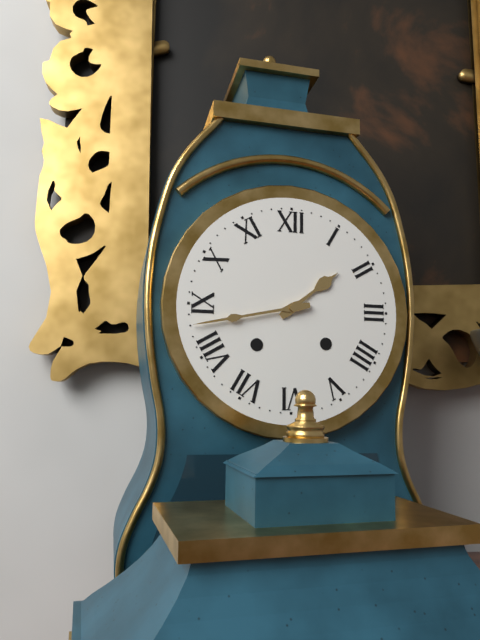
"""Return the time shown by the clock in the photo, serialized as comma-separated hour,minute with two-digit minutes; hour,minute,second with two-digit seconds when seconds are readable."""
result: 1,43
